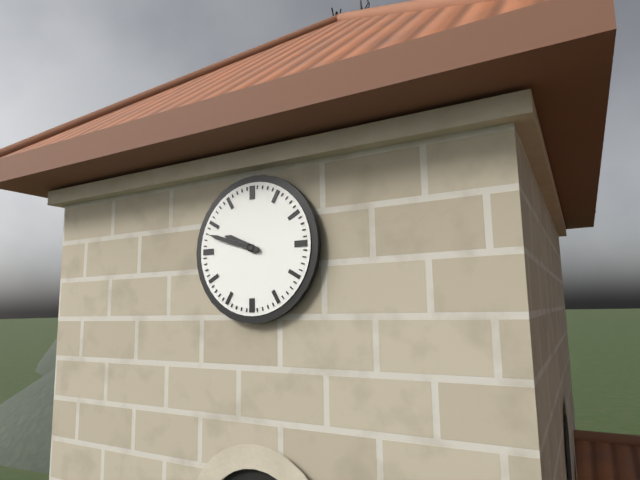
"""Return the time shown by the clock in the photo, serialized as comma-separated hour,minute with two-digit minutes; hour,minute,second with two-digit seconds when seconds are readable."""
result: 9,48
